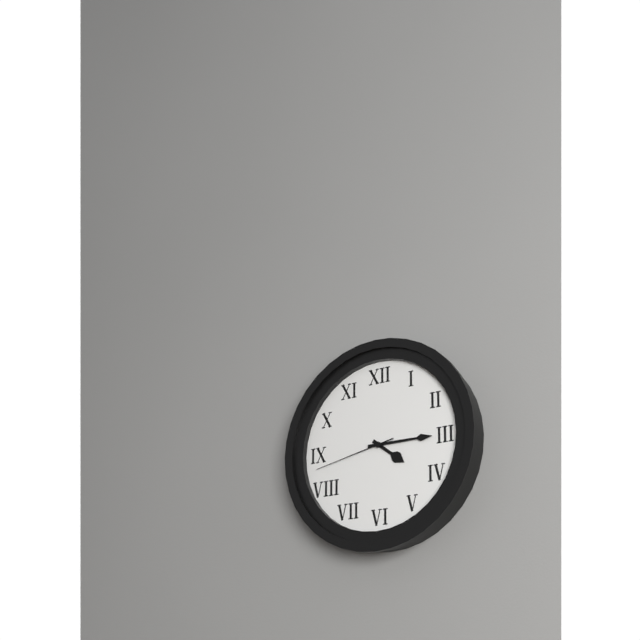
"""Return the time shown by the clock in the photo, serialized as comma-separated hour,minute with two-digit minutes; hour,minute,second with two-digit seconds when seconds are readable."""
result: 4,15,43
